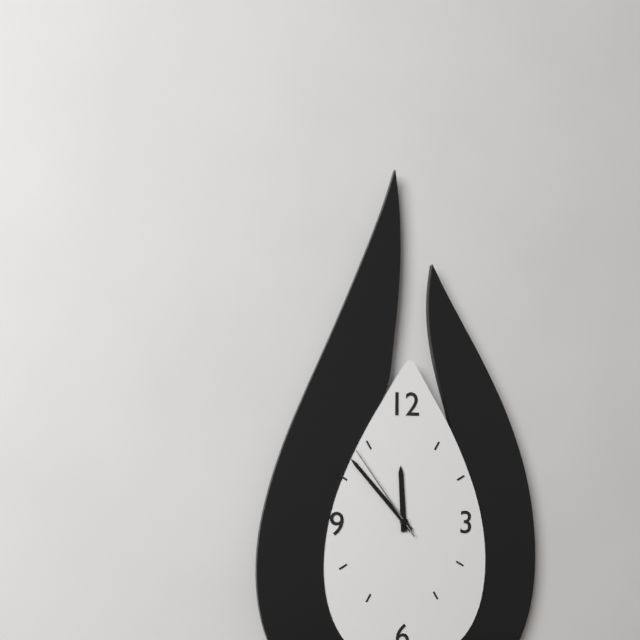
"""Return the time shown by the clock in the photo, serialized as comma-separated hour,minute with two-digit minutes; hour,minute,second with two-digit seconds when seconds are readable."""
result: 11,53,54
